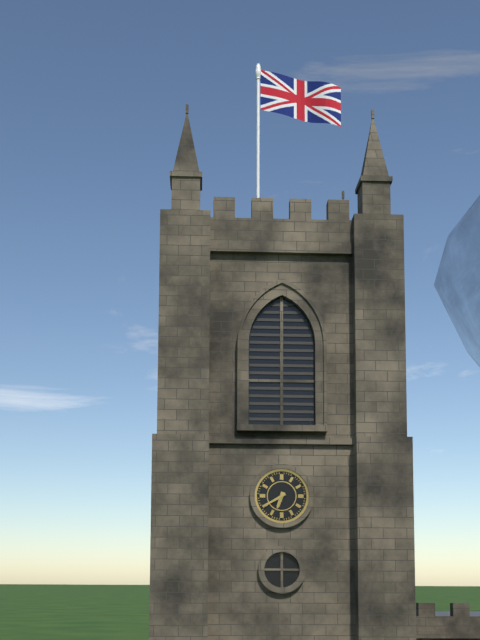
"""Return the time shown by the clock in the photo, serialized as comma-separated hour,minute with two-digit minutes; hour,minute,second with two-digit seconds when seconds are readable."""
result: 6,40
